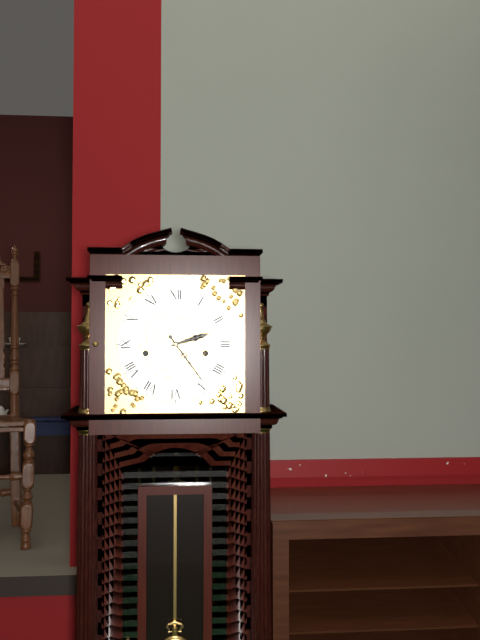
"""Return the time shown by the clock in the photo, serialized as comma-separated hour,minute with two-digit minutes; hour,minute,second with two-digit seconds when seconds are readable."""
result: 2,24
